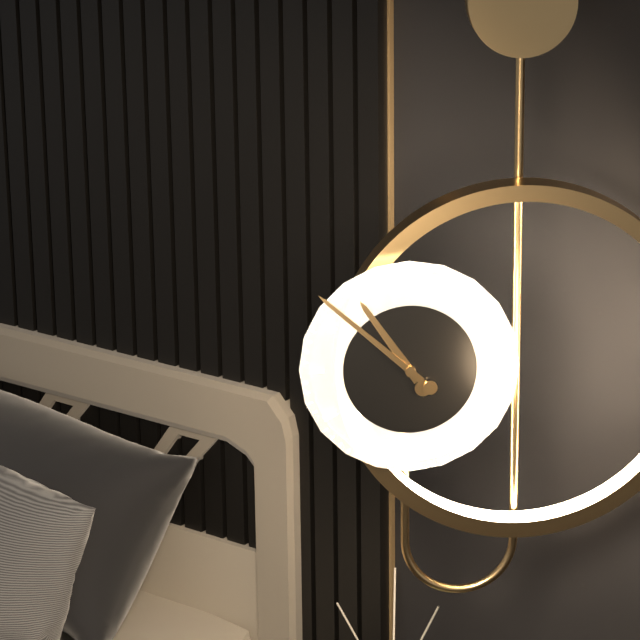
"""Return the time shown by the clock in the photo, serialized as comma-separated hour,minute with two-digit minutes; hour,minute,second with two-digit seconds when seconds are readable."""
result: 10,52
